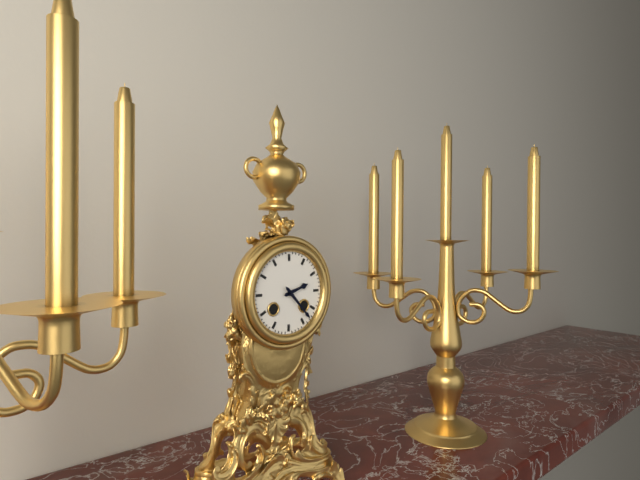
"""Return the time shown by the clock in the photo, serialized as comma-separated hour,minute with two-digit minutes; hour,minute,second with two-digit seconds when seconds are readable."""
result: 2,23
